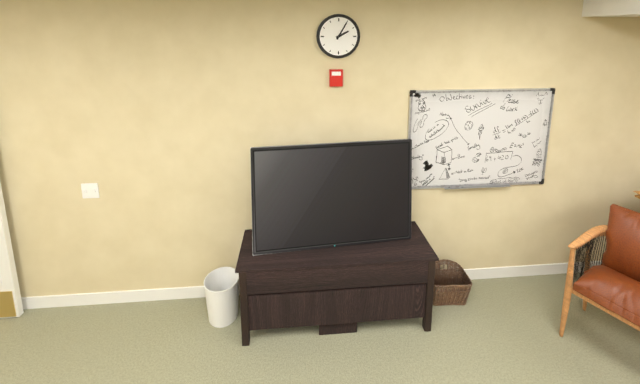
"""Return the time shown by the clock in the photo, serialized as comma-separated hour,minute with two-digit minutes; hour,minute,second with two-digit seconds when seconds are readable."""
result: 2,05
